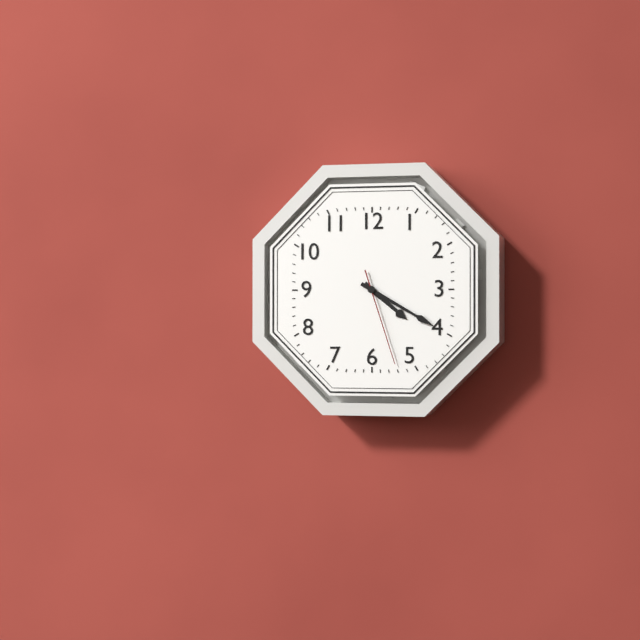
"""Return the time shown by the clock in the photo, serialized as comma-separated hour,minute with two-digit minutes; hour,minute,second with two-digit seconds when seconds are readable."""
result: 4,20,27
